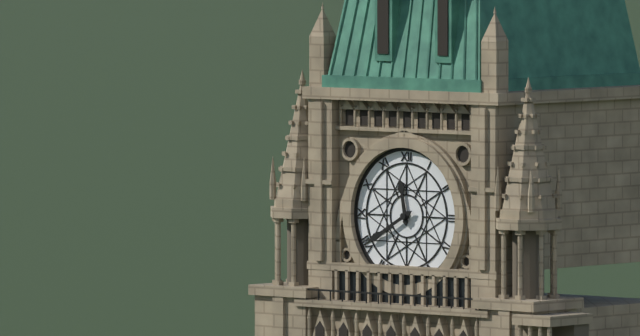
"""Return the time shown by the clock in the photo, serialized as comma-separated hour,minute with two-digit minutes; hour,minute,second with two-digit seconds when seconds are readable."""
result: 11,40
